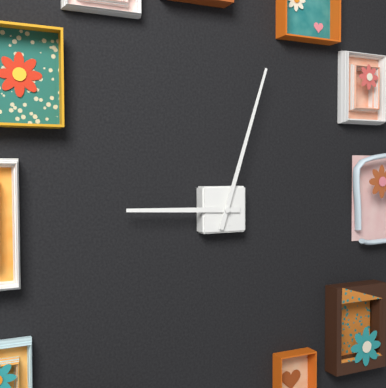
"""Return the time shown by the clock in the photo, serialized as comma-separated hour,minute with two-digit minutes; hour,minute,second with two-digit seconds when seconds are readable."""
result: 9,03
